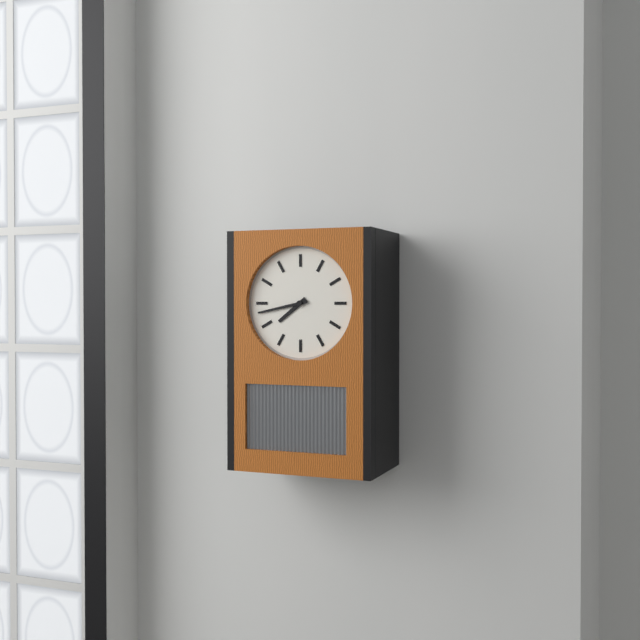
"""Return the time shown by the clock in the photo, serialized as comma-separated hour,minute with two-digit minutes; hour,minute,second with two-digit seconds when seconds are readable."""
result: 7,43
